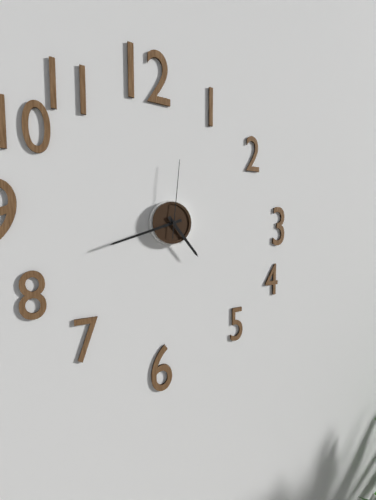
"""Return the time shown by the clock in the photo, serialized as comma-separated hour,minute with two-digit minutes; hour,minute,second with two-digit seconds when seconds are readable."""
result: 4,42,01
